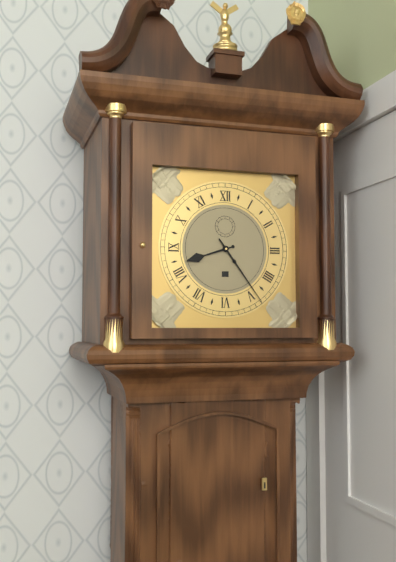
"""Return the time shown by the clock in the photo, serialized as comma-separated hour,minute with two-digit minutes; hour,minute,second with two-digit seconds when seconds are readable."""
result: 8,24
